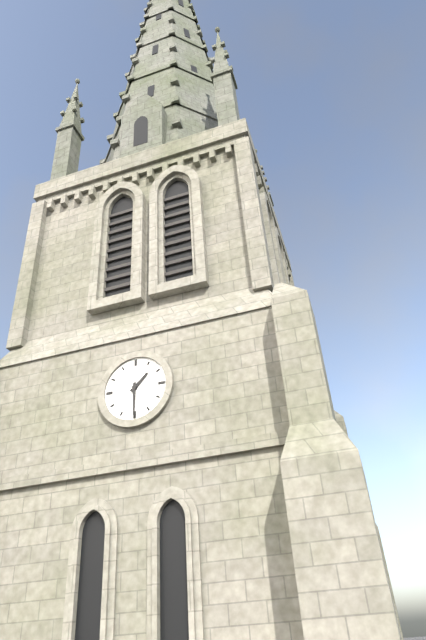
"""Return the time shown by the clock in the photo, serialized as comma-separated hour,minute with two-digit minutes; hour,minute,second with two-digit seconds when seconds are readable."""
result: 1,30
